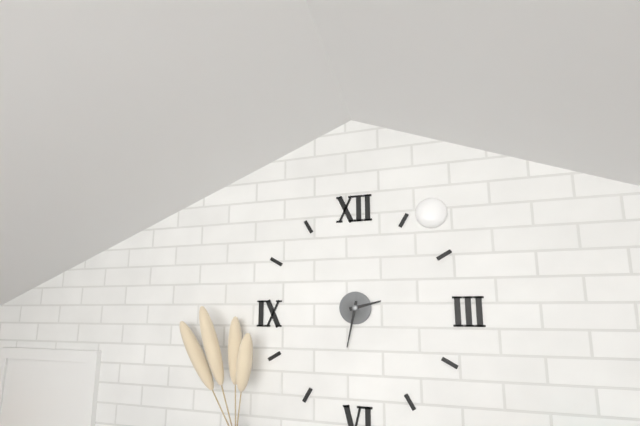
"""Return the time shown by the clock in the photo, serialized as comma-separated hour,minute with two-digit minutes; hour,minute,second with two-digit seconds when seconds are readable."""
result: 2,32
